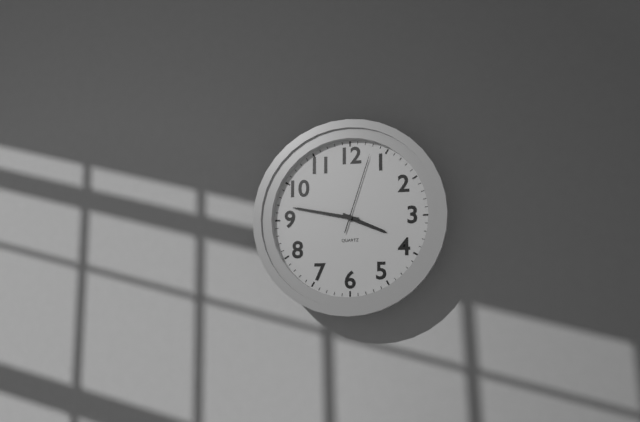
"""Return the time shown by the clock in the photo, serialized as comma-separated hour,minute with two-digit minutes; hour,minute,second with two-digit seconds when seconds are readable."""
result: 3,47,03
